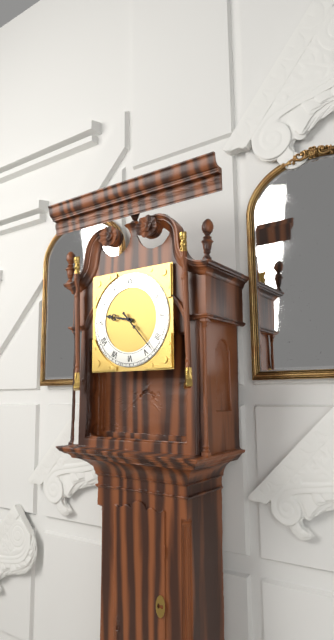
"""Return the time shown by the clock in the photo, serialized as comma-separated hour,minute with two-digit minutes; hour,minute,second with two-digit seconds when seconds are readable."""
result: 9,23
